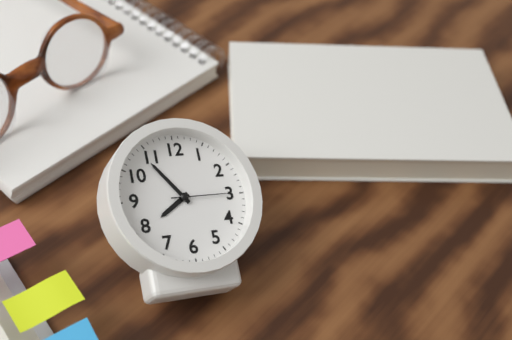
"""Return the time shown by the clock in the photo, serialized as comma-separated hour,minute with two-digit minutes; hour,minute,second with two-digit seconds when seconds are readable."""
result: 7,54,15
